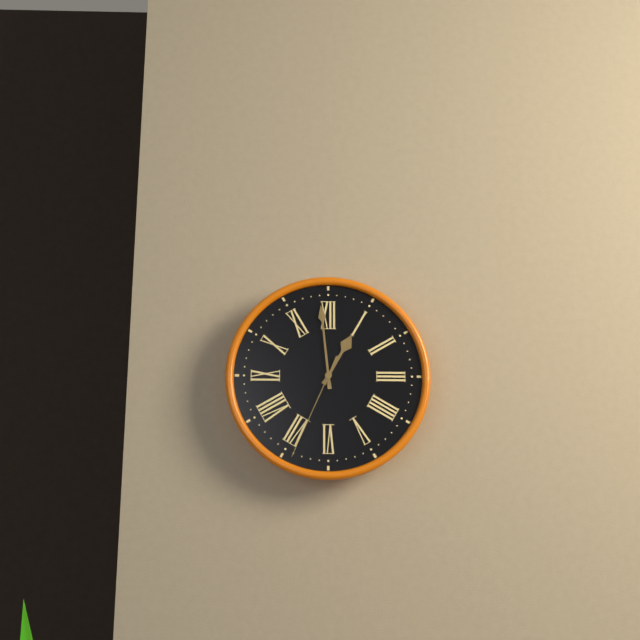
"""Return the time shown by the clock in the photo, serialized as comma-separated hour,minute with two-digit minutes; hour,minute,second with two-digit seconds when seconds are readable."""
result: 12,59,34
